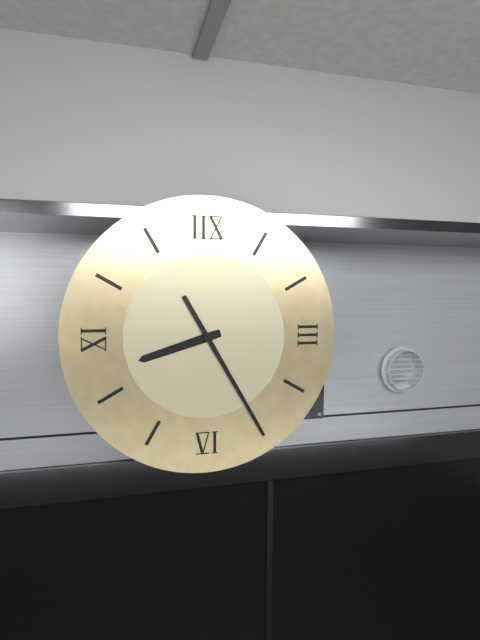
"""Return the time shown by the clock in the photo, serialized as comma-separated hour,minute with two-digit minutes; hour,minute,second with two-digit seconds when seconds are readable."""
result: 8,25
